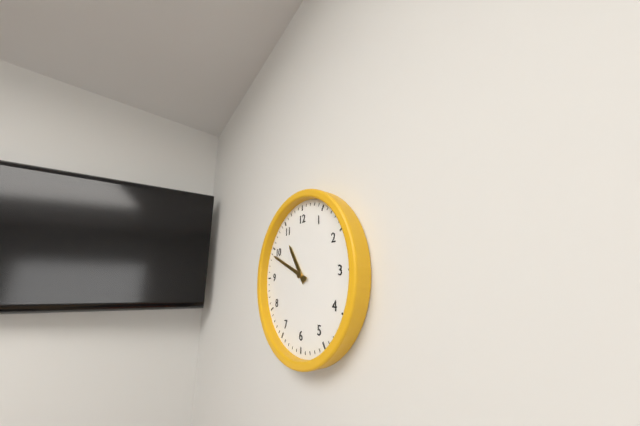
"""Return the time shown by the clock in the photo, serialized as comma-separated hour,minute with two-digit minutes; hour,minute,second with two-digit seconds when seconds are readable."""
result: 10,49
